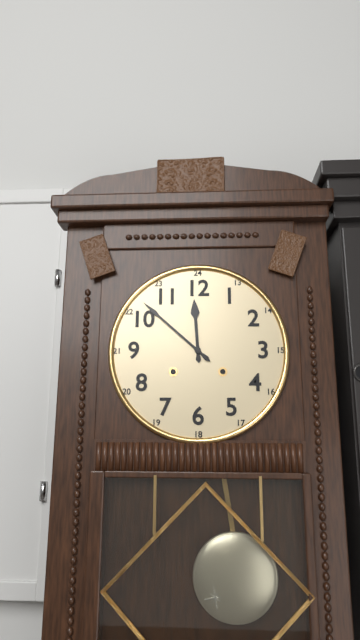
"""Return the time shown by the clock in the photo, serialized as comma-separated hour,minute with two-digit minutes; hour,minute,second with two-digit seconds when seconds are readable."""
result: 11,52
